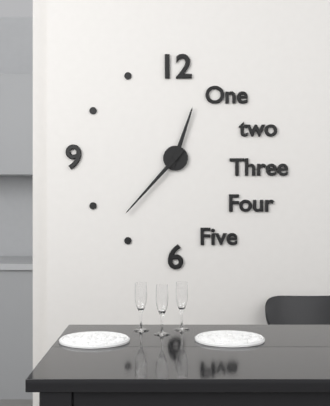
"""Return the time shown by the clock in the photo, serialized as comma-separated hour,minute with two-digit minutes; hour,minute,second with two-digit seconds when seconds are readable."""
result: 12,37
